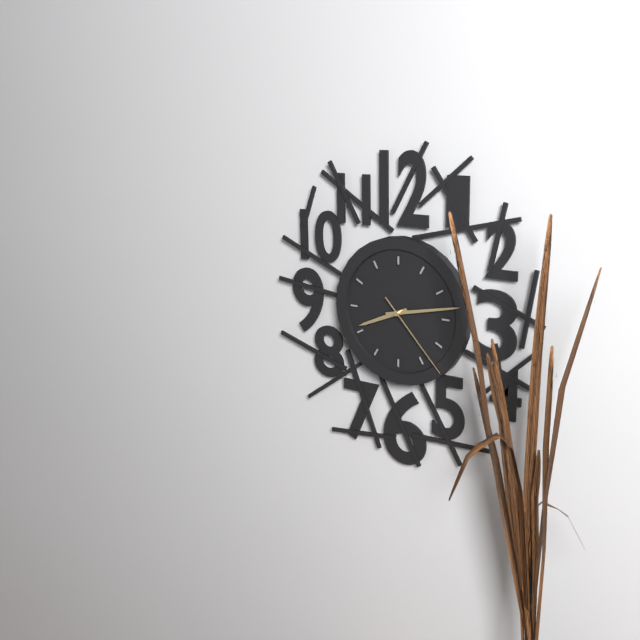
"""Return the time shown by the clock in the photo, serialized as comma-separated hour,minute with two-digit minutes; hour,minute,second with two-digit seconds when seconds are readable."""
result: 8,13,23
